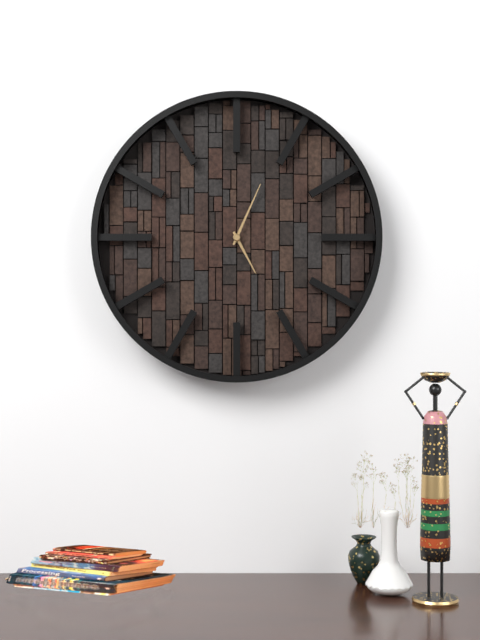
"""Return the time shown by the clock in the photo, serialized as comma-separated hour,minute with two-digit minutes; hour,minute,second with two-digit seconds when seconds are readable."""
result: 5,04
